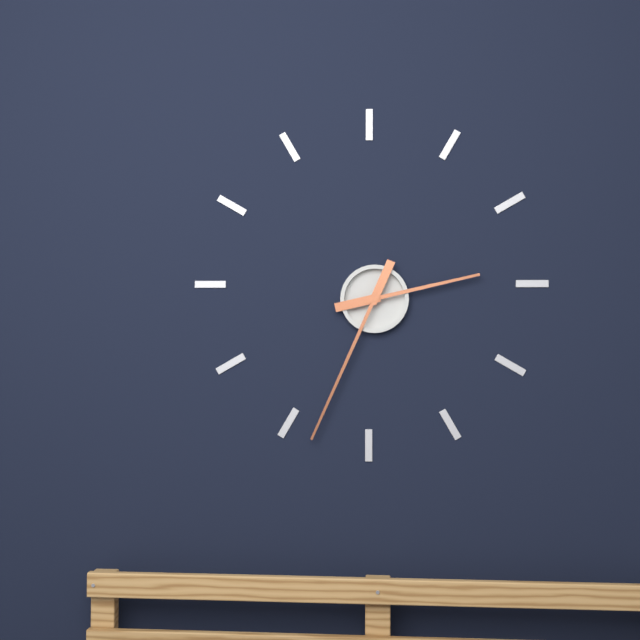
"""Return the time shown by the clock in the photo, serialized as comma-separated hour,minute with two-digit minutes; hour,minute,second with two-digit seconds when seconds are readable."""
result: 2,34
